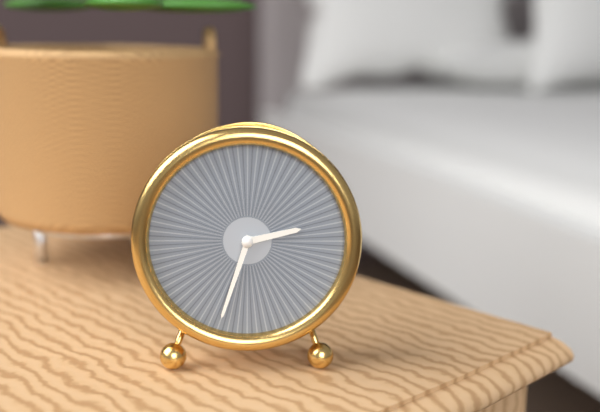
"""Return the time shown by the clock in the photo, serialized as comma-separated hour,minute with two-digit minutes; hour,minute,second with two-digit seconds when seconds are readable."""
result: 2,33
